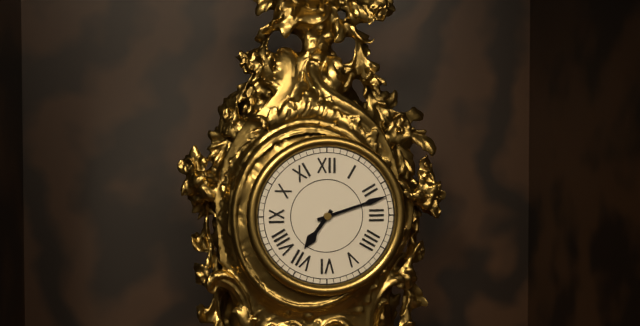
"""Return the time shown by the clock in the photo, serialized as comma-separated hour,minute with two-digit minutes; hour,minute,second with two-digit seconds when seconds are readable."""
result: 7,12
